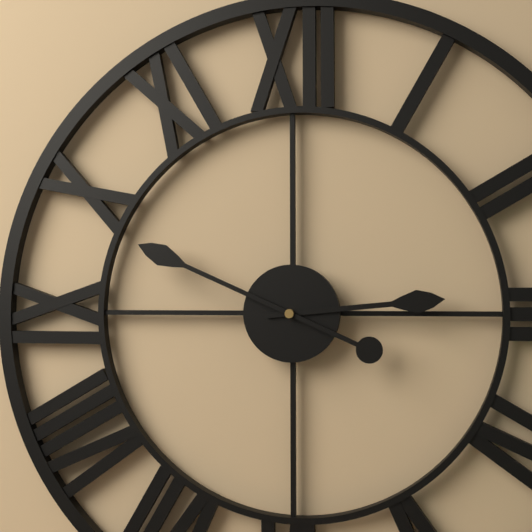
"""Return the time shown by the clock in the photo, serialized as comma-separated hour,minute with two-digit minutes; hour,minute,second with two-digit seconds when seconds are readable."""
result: 2,49
